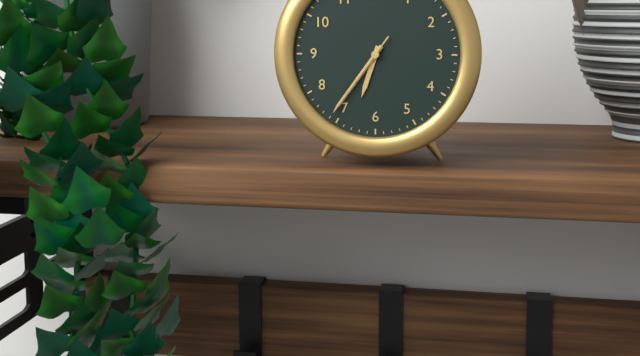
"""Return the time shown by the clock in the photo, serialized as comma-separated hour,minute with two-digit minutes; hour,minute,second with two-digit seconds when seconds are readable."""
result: 6,36,36
